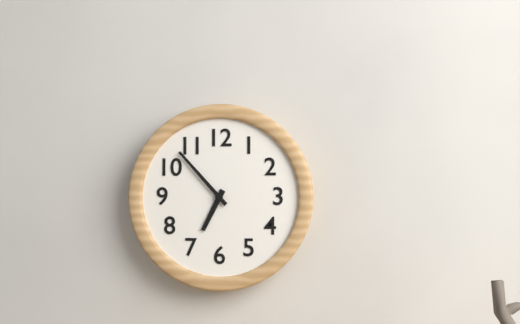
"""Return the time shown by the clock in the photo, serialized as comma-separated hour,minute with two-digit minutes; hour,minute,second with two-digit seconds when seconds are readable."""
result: 6,53
